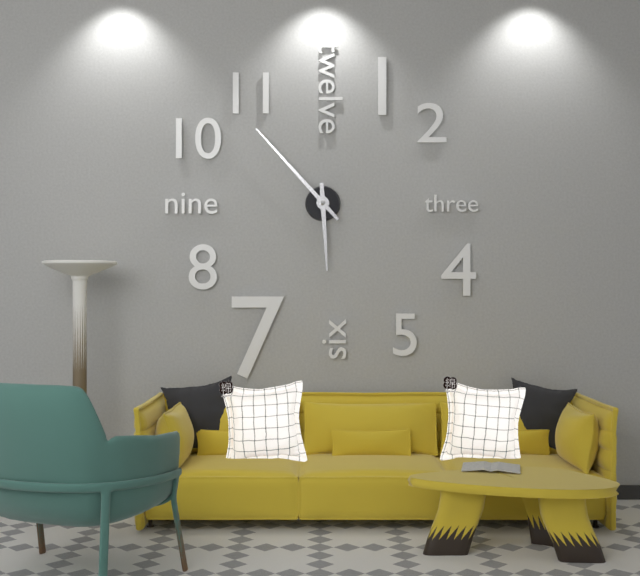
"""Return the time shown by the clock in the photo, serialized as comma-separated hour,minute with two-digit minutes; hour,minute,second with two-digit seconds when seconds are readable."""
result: 5,53
